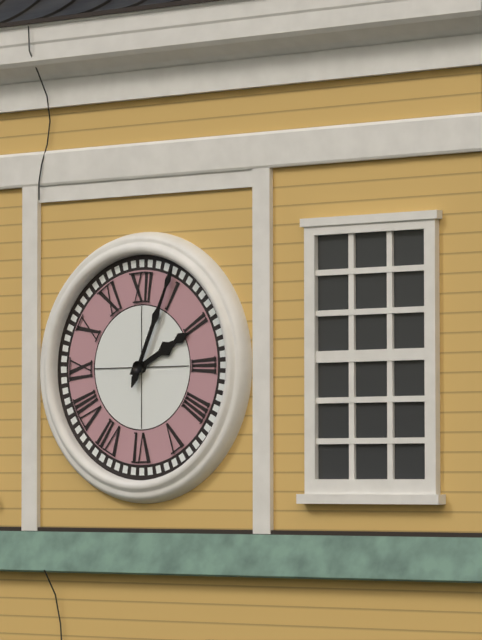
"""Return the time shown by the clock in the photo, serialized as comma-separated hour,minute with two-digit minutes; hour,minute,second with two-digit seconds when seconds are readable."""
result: 2,04
